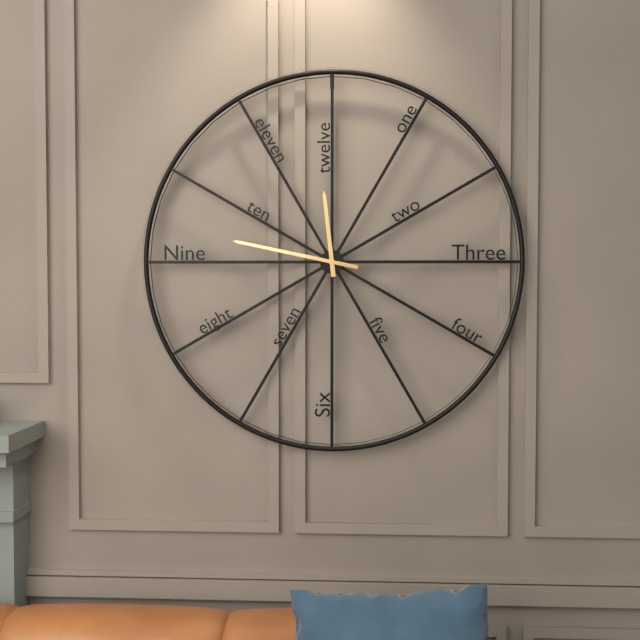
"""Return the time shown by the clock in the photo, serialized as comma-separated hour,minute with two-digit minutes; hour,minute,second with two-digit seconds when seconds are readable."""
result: 11,47
